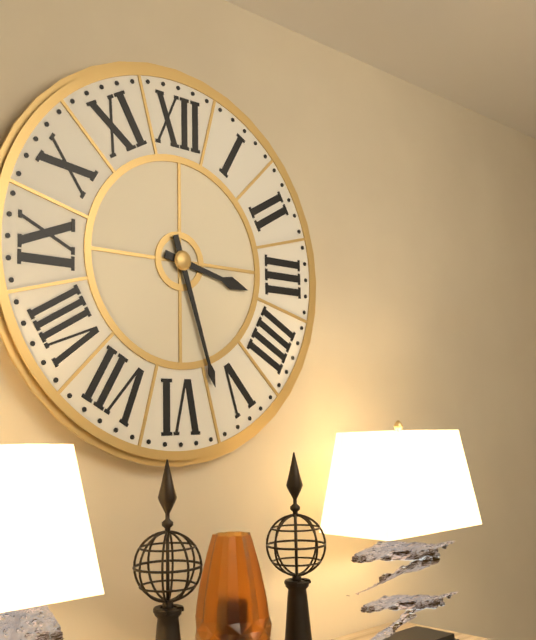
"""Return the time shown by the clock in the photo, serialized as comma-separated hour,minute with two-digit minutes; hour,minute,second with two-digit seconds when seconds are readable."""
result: 3,27
